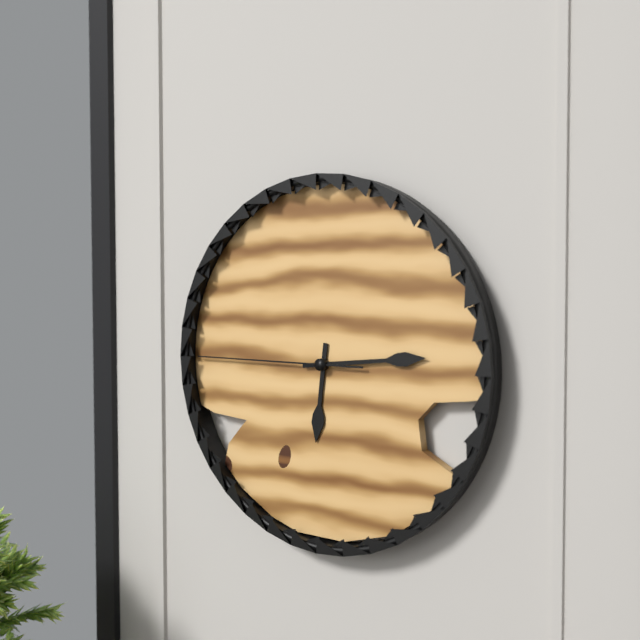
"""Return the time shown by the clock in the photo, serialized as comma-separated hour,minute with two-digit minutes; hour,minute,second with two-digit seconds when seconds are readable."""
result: 6,14,45
